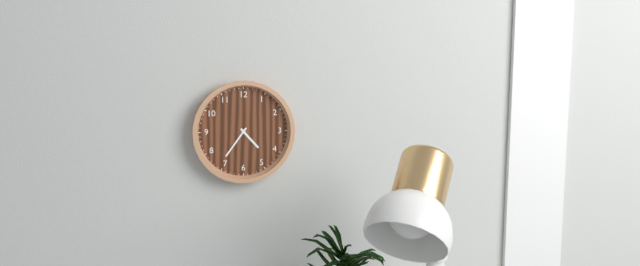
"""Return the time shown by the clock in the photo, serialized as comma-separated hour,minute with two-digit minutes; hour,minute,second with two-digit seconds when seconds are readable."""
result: 4,36
